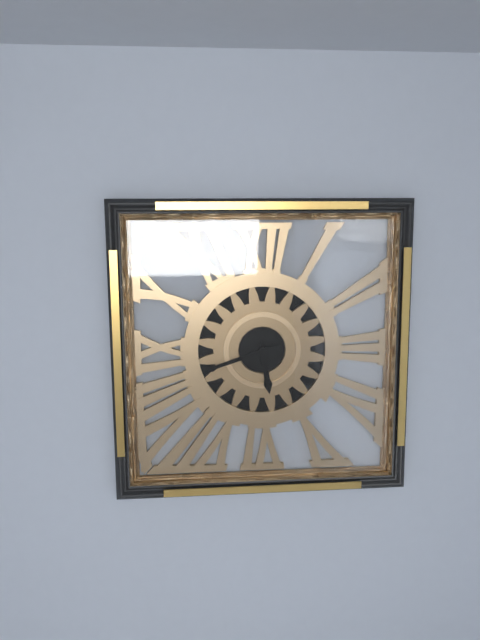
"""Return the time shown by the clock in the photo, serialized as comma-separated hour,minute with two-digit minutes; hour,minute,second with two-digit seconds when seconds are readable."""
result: 5,42
